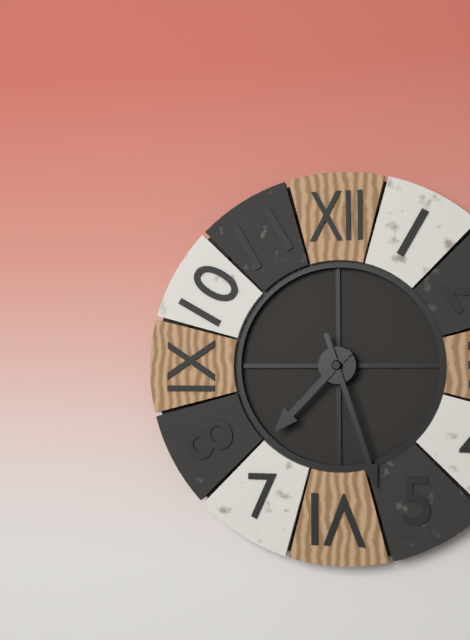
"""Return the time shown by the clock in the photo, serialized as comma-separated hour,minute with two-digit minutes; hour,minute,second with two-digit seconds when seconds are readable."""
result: 7,27
